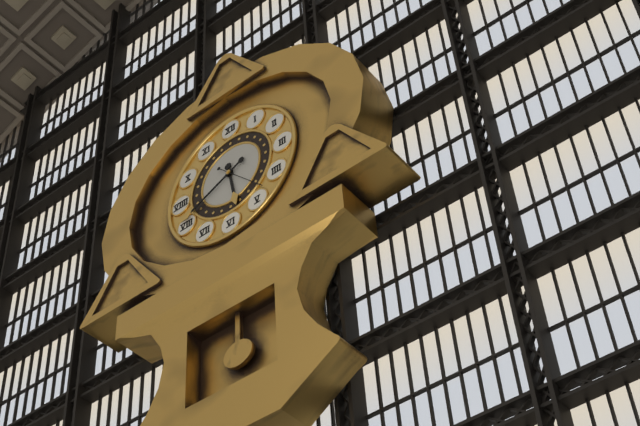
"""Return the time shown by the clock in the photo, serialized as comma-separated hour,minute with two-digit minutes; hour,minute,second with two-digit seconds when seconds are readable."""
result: 5,41
